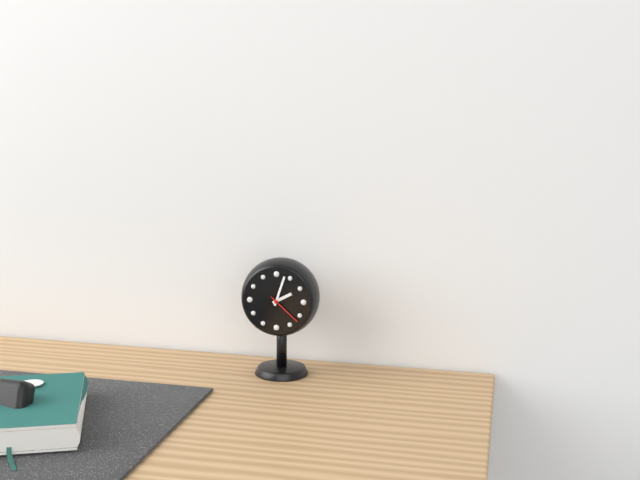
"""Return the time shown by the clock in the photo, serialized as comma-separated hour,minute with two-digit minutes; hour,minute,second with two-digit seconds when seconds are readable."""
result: 2,03
